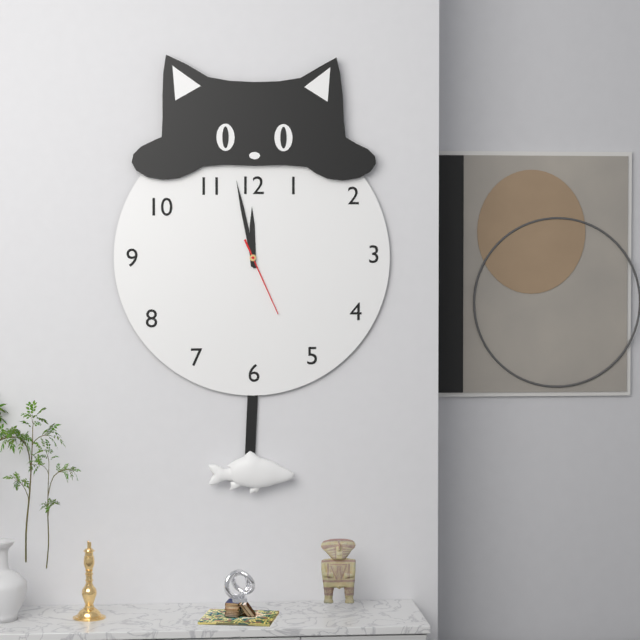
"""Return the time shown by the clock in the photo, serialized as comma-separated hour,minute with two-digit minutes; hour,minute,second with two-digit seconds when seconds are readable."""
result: 11,58,26
